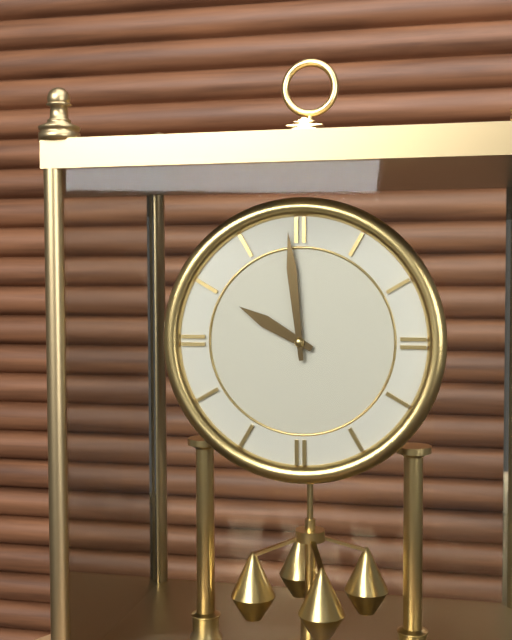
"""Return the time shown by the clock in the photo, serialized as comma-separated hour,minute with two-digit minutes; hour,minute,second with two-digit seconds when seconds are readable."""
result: 9,59
